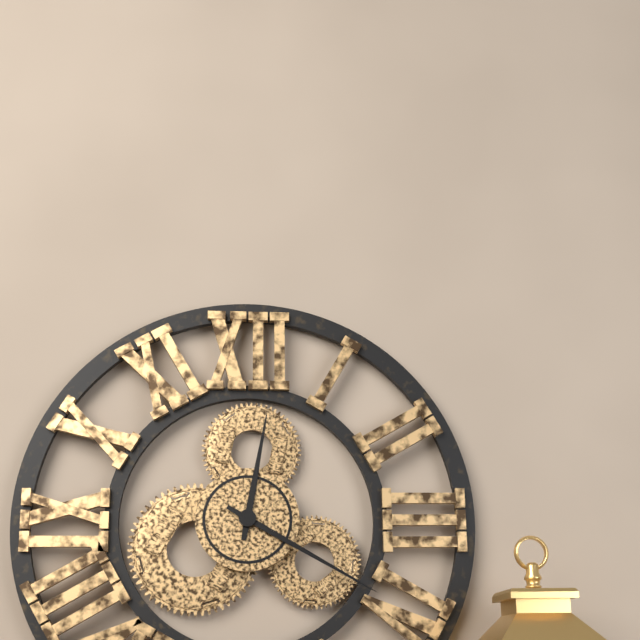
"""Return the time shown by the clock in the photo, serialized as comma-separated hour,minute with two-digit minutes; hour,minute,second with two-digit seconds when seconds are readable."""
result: 12,20
